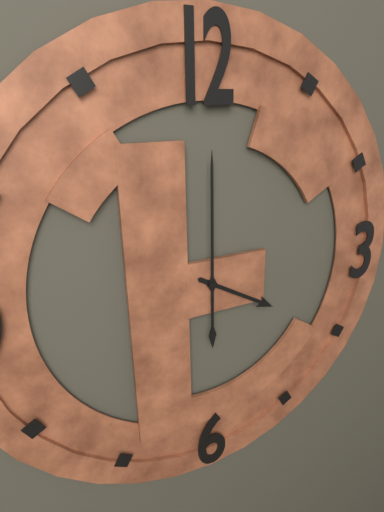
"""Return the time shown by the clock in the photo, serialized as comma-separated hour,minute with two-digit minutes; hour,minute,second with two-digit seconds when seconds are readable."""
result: 4,00
